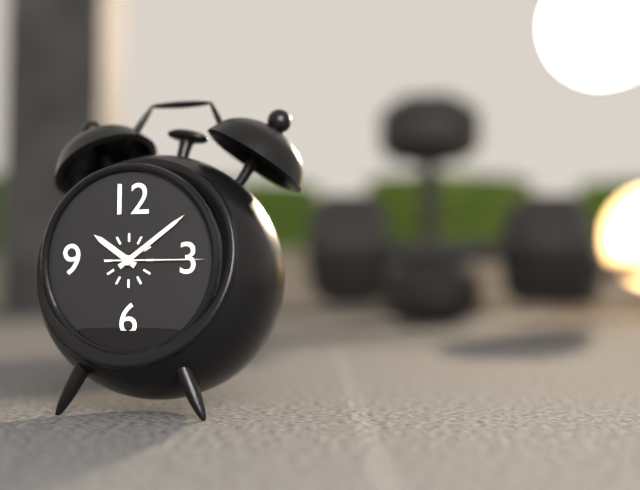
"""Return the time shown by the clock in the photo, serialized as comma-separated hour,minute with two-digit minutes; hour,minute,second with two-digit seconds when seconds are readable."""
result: 10,09,15
